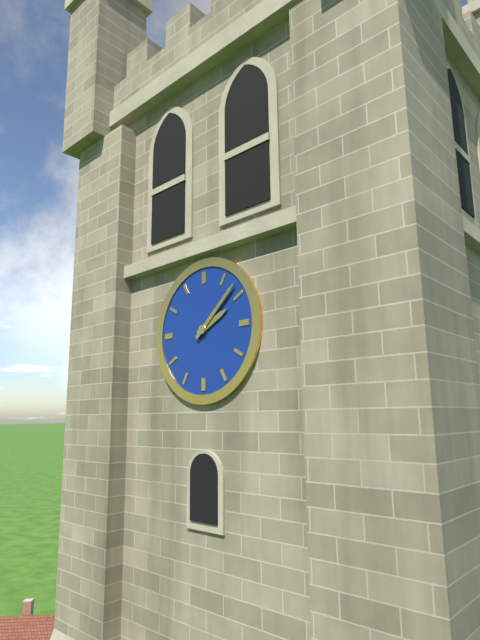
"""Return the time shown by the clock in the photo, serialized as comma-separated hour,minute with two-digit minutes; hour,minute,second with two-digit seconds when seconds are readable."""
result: 2,08
